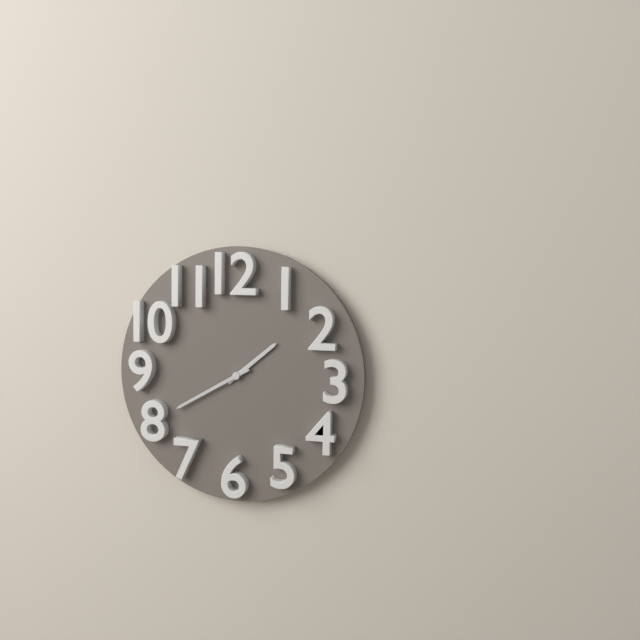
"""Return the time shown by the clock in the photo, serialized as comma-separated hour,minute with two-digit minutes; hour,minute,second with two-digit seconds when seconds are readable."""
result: 1,40
